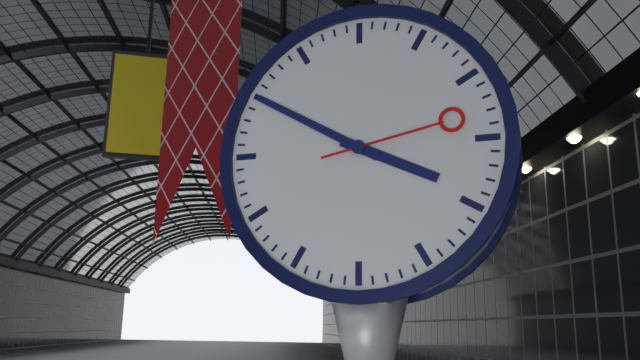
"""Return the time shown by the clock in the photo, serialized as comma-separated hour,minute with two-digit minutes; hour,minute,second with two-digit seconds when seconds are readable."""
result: 3,50,13
